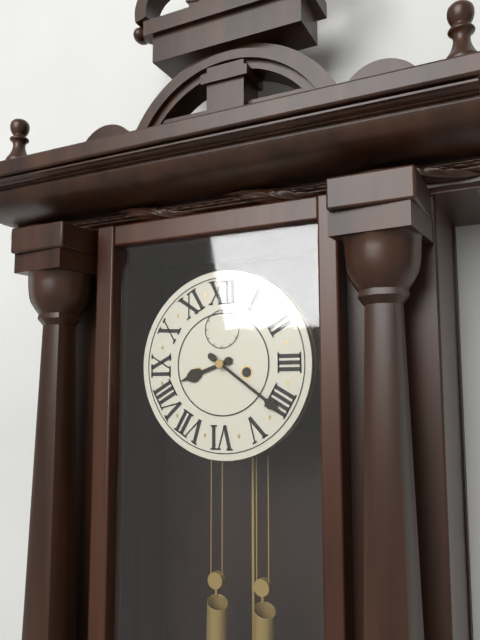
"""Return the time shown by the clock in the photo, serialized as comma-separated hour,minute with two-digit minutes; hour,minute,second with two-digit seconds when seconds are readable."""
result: 8,21
